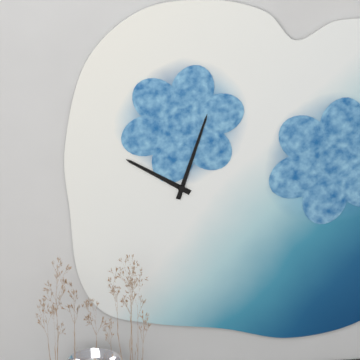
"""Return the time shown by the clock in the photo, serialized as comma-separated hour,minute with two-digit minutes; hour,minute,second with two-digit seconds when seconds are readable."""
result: 10,03
